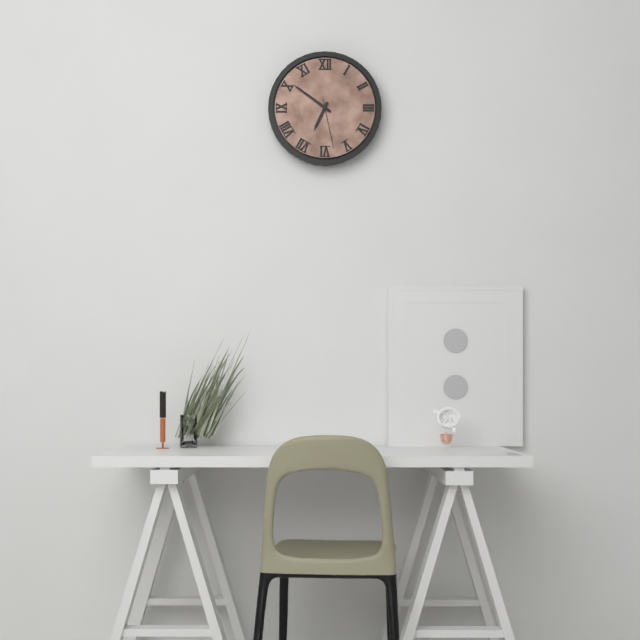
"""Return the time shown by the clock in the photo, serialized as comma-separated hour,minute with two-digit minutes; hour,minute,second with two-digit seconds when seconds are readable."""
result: 6,51,28
